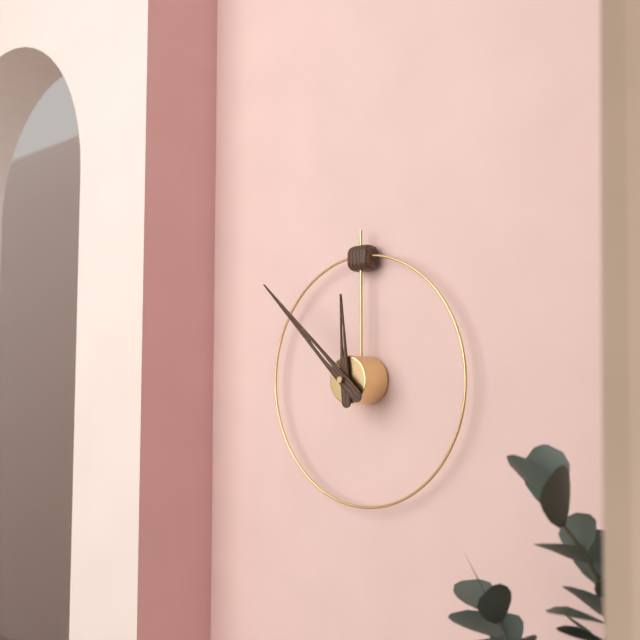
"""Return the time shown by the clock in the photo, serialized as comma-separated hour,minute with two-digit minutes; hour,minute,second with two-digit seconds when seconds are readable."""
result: 11,52
